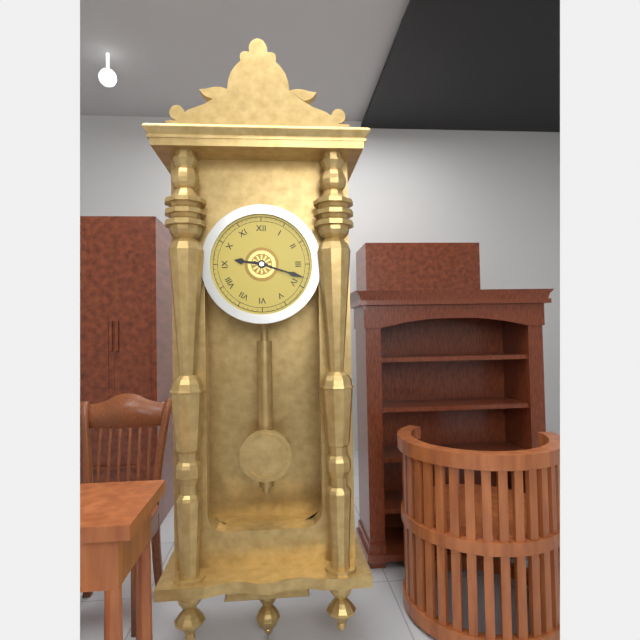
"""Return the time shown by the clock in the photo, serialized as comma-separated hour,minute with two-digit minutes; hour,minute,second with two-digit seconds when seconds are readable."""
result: 9,18
